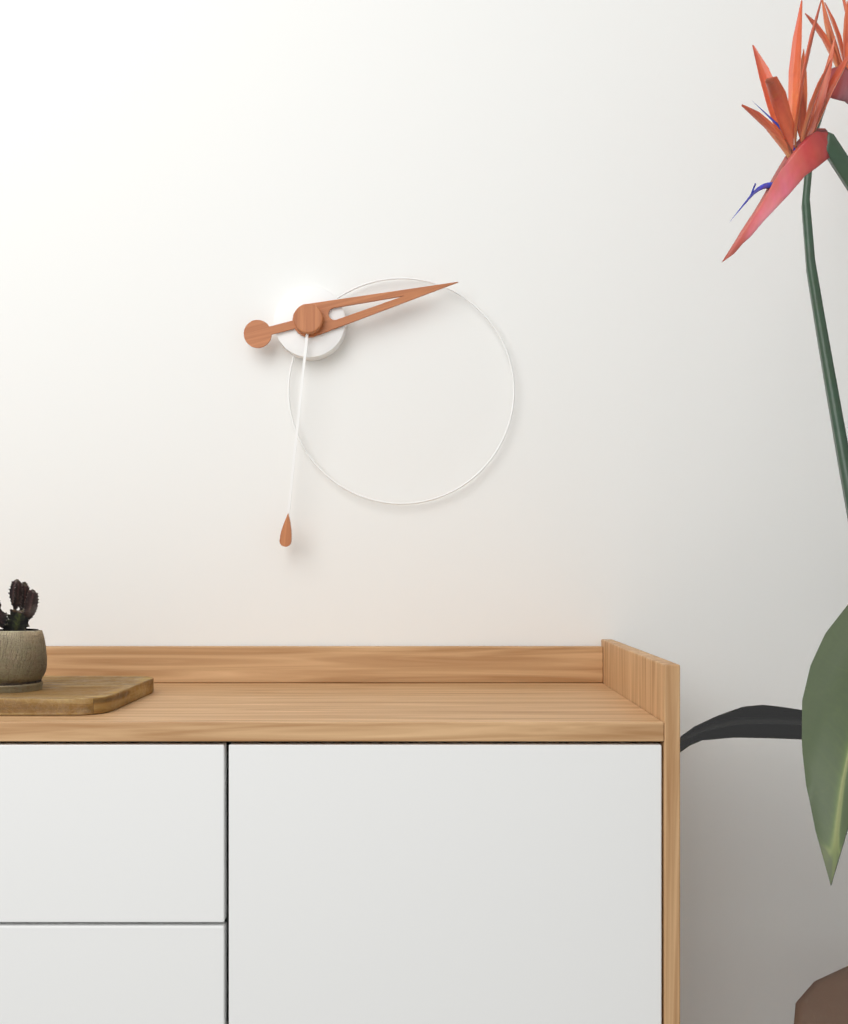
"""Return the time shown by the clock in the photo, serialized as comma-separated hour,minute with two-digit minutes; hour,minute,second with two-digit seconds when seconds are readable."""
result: 2,31
